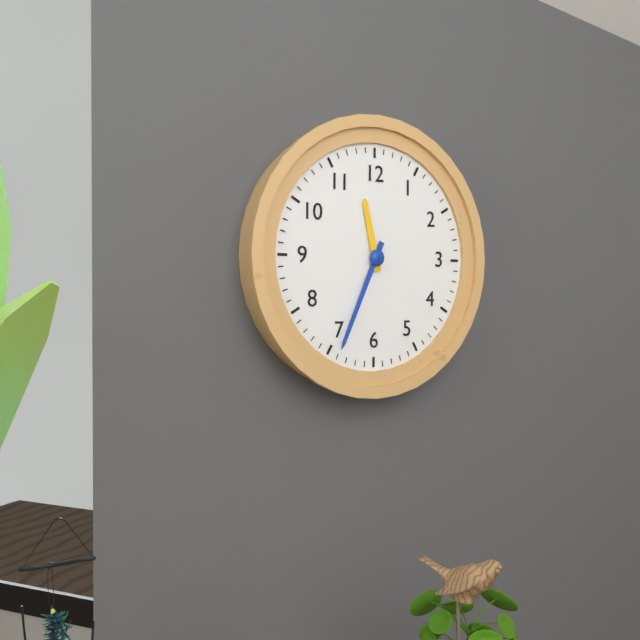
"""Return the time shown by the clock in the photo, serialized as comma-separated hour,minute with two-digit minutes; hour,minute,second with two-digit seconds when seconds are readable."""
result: 11,34
